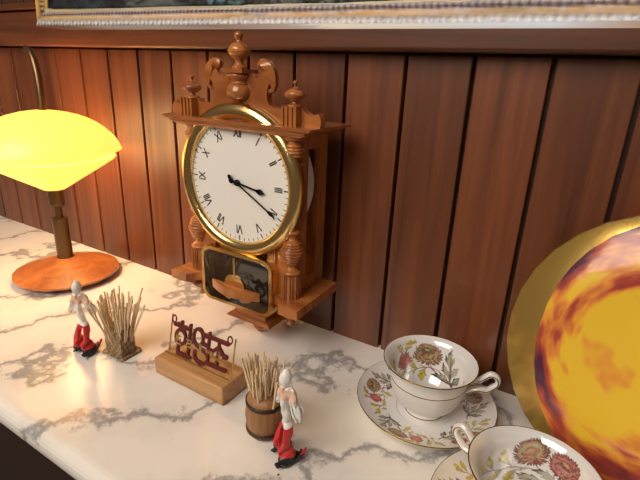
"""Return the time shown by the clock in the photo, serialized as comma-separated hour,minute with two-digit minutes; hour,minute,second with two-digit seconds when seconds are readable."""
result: 3,20
